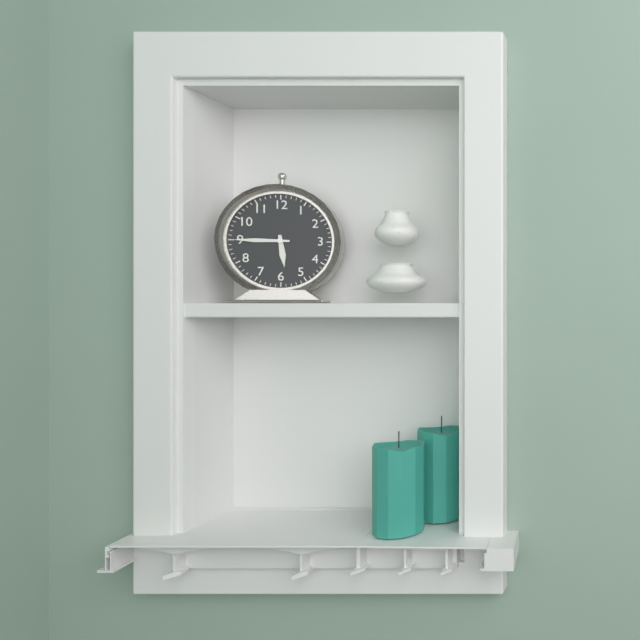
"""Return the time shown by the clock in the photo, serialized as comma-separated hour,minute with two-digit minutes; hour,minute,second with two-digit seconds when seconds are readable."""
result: 5,45
